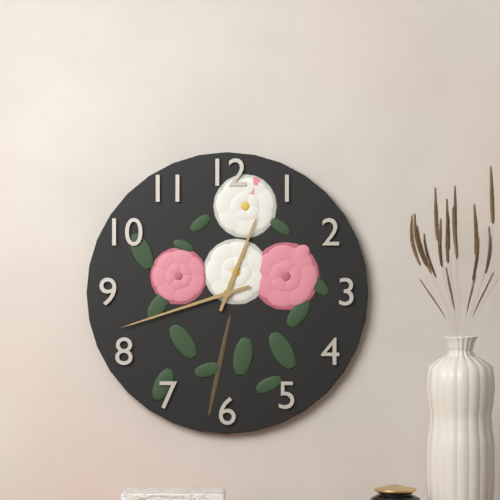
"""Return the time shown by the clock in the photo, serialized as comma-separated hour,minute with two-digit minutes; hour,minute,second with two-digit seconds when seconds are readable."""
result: 12,42
